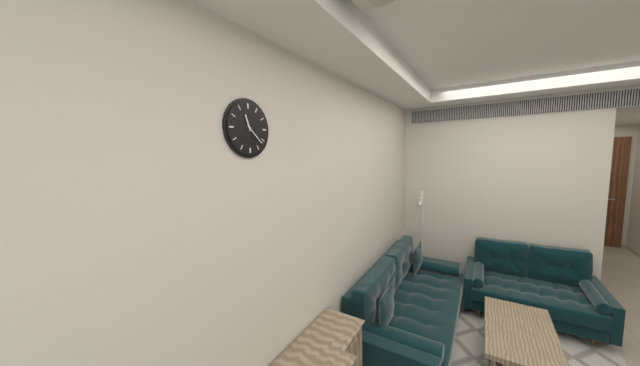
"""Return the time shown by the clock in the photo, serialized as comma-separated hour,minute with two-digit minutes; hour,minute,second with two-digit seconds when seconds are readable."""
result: 11,22
